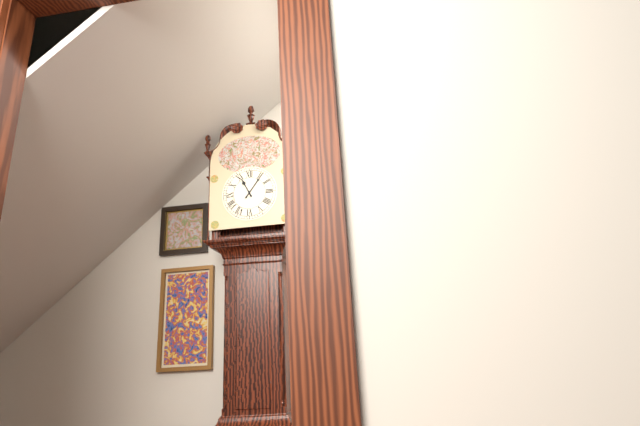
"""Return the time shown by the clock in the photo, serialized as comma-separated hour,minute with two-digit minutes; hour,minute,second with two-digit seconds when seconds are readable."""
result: 11,06
